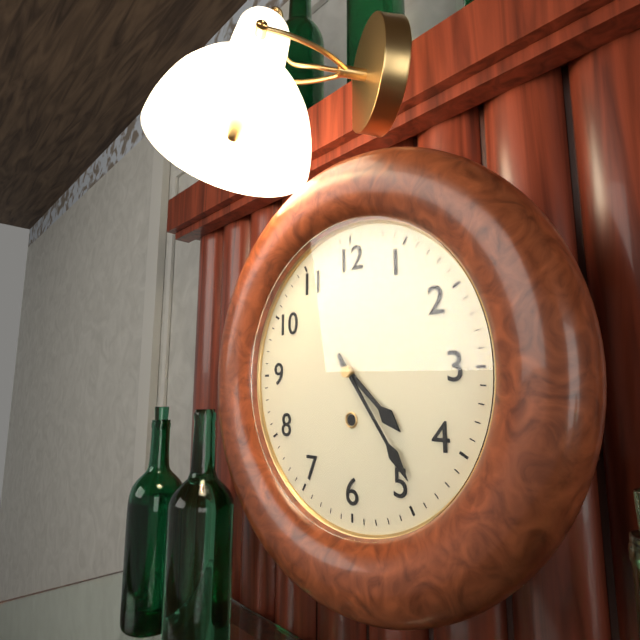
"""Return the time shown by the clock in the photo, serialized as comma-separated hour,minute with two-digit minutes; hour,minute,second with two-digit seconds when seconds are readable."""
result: 4,24
